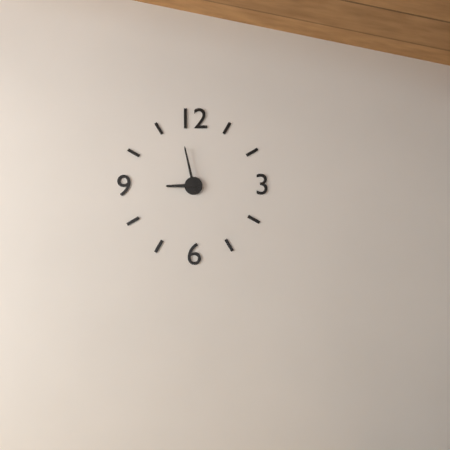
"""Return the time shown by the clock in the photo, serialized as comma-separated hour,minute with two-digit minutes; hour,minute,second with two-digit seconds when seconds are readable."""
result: 8,58
